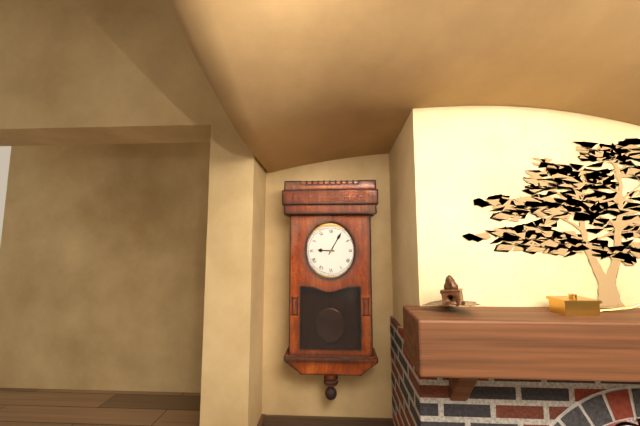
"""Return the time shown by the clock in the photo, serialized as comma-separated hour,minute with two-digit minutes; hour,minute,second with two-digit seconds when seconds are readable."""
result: 9,05
